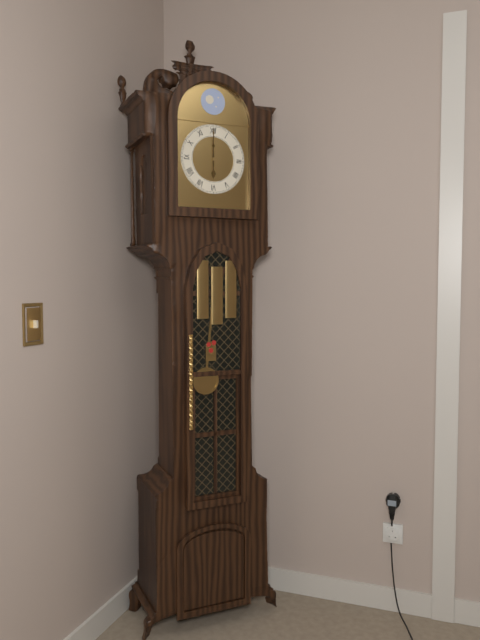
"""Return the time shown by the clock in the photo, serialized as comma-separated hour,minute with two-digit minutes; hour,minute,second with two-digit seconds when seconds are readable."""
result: 6,00
